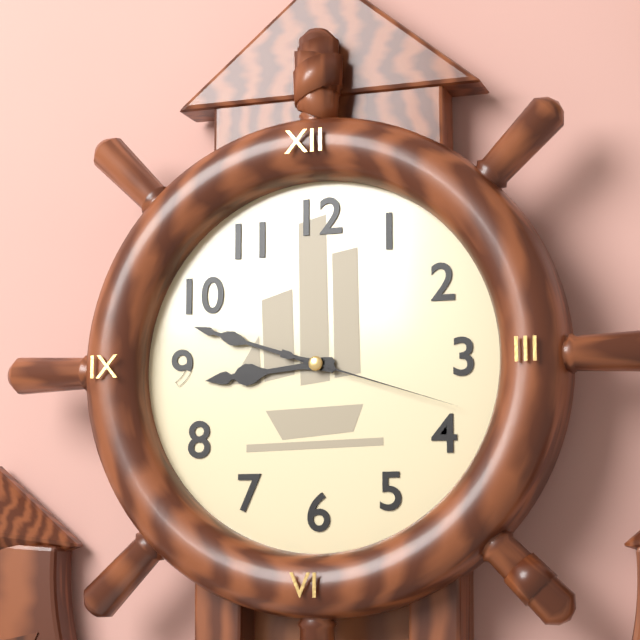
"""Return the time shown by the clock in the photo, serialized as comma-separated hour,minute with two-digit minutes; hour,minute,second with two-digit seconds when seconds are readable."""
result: 8,48,18
